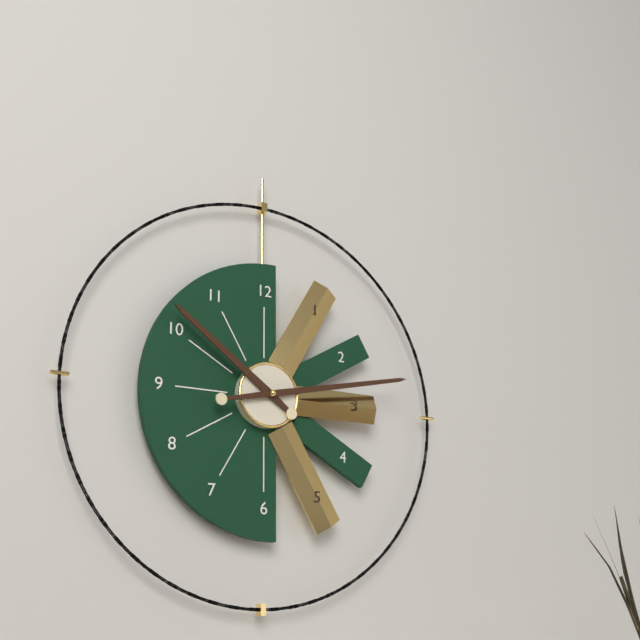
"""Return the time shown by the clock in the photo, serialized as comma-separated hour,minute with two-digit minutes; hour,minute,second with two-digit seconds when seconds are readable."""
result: 10,13
